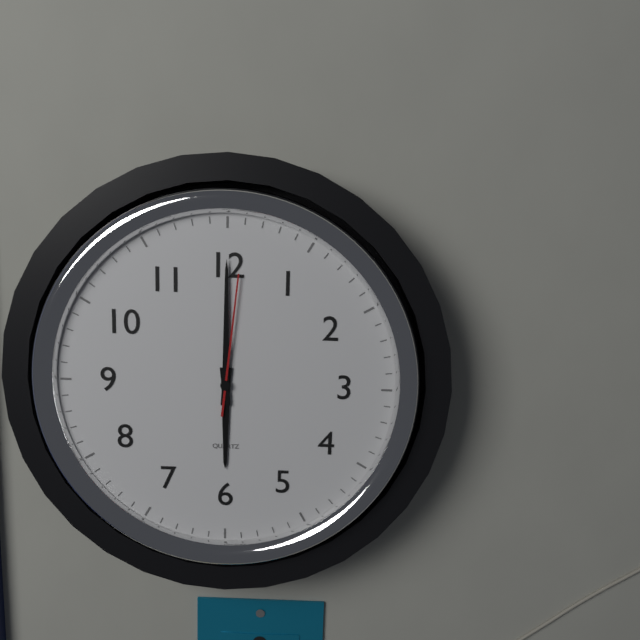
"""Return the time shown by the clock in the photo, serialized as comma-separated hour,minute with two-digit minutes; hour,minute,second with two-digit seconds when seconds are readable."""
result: 6,00,01
